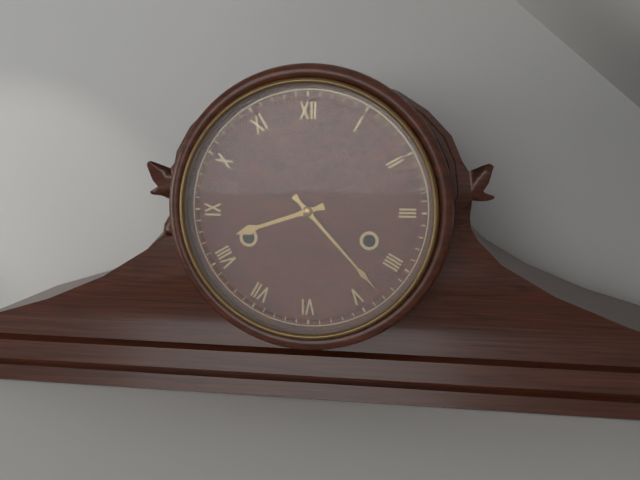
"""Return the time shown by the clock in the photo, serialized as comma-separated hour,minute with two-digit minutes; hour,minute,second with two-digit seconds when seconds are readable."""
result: 8,23
